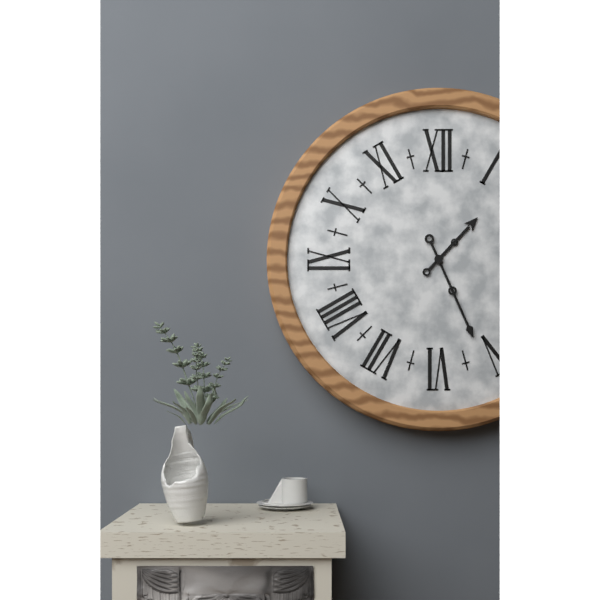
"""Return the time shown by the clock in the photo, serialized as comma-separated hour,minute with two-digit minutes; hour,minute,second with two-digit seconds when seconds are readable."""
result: 1,26
